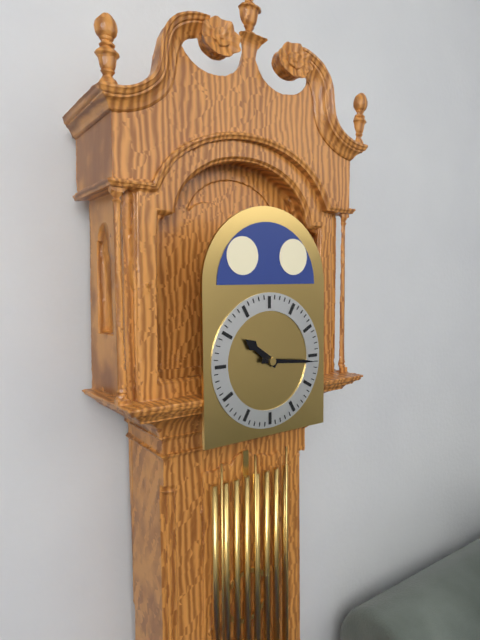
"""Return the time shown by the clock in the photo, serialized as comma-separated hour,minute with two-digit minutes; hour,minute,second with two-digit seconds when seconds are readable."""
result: 10,16
